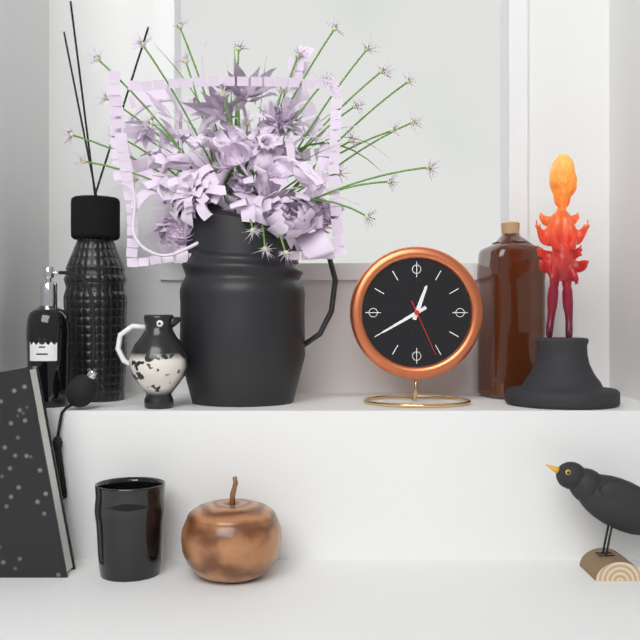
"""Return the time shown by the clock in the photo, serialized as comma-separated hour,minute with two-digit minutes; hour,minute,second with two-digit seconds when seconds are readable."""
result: 12,40,26
